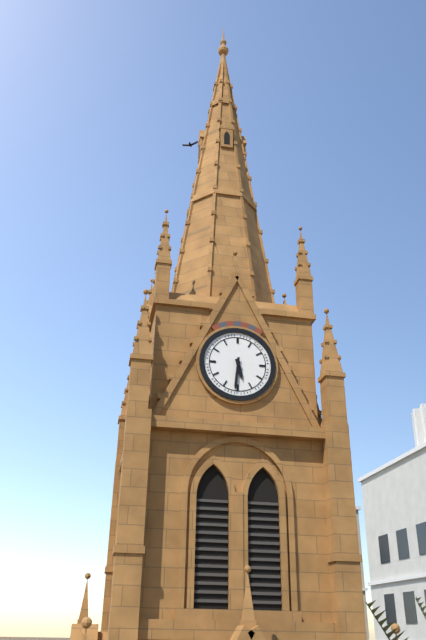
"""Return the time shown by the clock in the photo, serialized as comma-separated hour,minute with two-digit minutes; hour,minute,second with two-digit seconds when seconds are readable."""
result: 5,31
